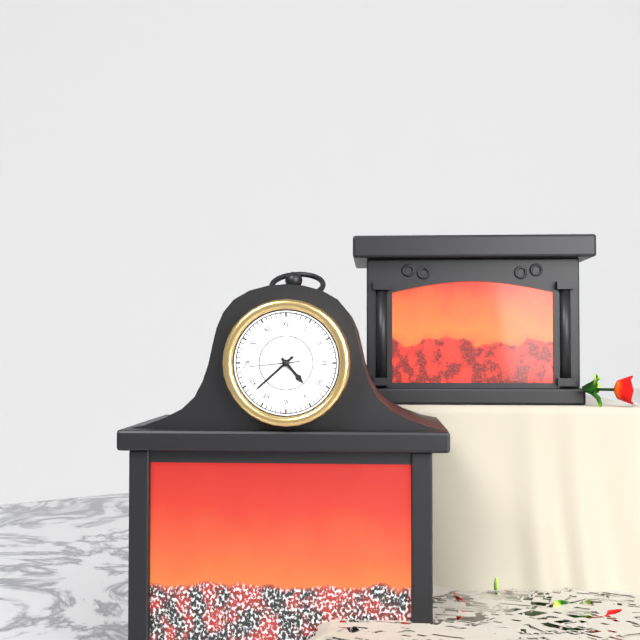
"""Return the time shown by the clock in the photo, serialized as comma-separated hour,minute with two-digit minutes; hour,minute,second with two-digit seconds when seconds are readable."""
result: 4,38,44
